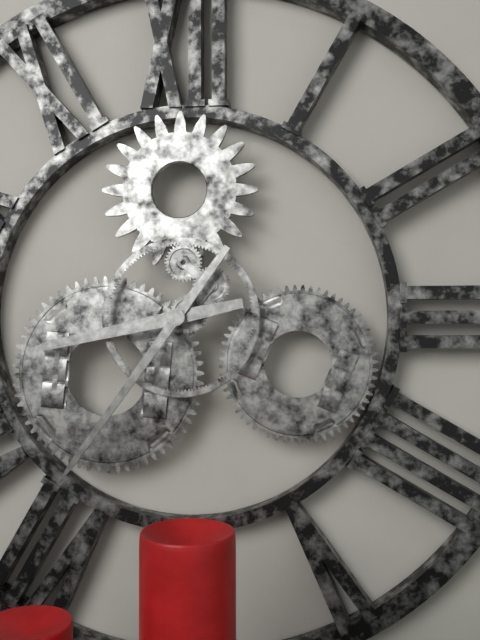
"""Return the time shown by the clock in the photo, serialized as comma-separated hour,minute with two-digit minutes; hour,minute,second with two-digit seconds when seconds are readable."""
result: 8,36
